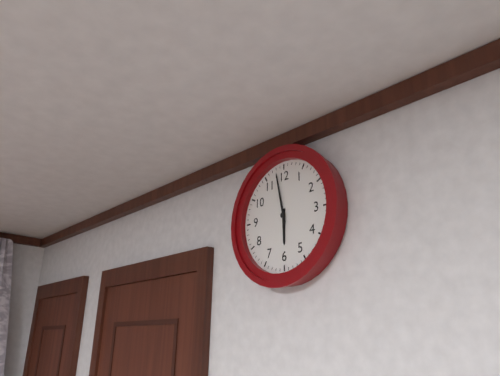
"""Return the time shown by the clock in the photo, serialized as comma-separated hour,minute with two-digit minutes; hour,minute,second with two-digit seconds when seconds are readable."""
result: 5,58
